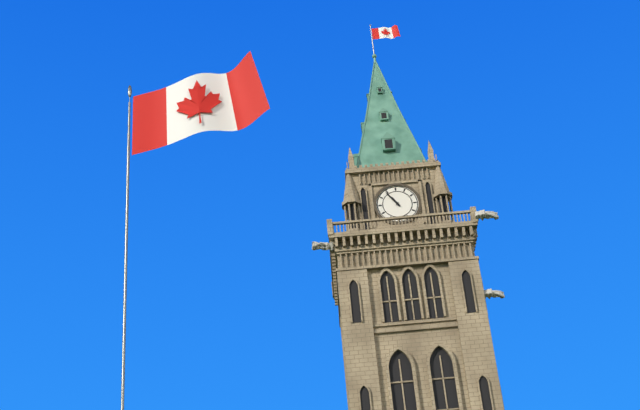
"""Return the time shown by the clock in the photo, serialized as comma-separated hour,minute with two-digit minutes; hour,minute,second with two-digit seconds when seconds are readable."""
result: 10,54
